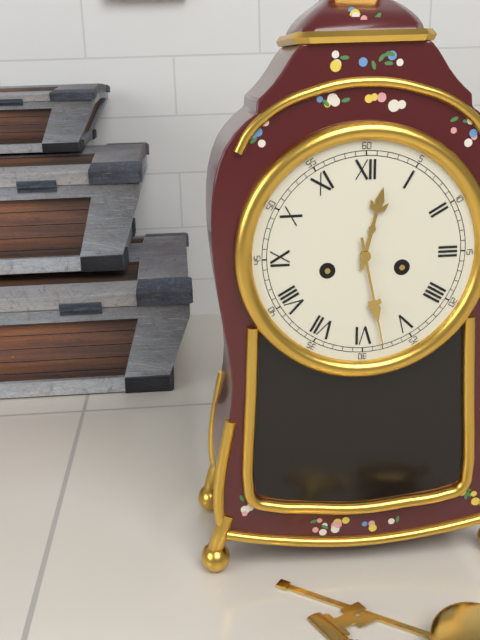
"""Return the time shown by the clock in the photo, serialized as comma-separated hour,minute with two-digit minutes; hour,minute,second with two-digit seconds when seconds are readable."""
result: 12,28
